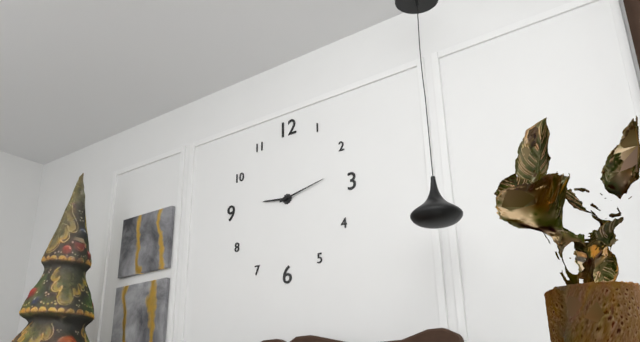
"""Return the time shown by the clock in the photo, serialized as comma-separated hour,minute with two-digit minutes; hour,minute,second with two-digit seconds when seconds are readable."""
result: 9,13
